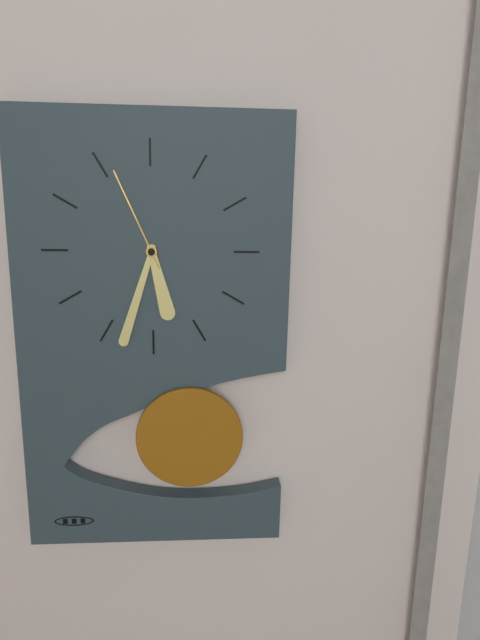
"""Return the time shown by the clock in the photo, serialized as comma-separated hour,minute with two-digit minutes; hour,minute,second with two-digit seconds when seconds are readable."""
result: 5,33,56
